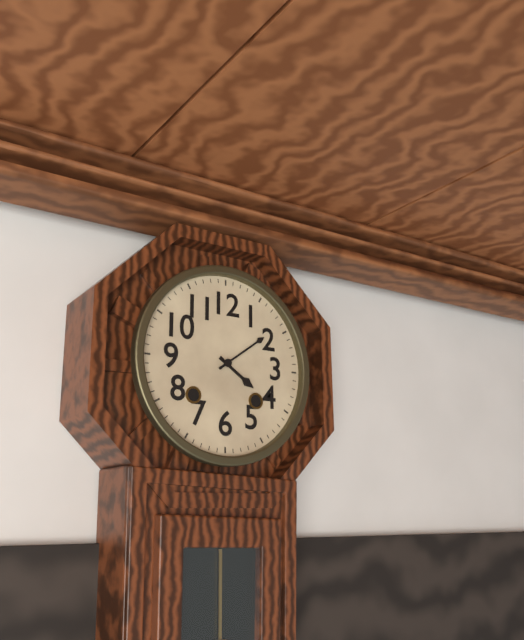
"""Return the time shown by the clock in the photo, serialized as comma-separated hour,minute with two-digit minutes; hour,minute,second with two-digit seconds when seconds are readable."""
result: 4,09
